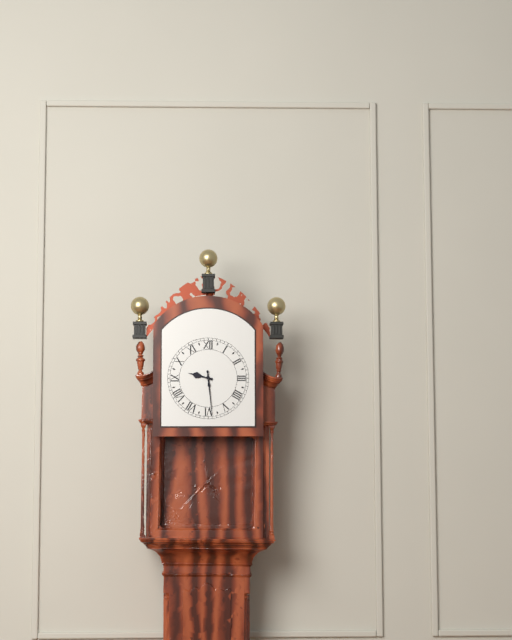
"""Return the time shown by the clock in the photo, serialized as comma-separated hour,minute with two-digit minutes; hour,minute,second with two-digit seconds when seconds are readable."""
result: 9,29
